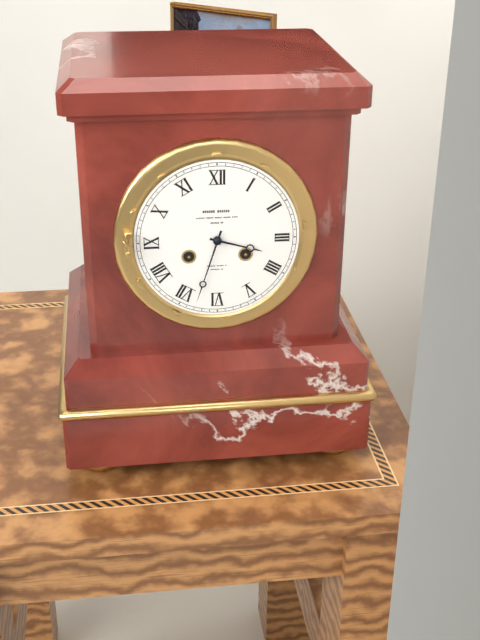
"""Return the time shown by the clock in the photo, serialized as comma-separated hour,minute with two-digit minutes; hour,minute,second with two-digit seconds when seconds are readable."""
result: 3,33
